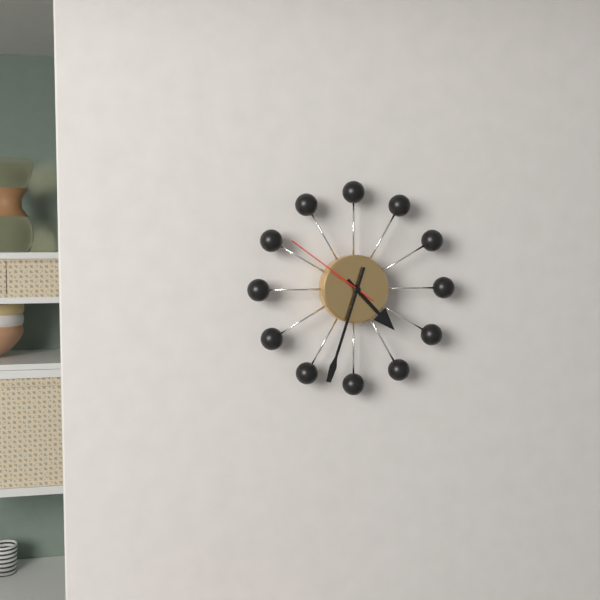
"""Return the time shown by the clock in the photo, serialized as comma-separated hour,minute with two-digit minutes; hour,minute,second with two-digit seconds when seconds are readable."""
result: 4,33,51
